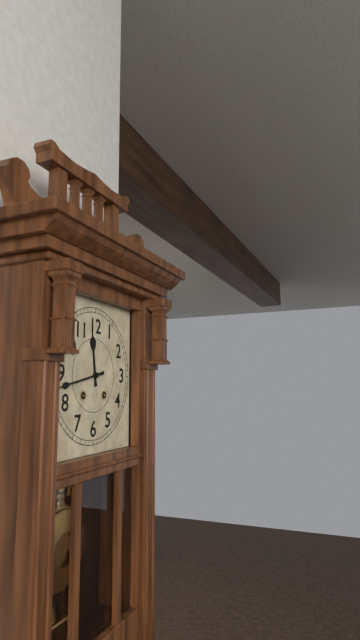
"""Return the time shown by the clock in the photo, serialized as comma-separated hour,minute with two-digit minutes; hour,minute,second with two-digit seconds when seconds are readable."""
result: 11,43
